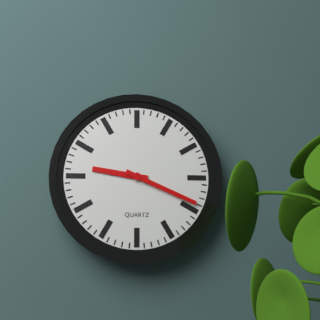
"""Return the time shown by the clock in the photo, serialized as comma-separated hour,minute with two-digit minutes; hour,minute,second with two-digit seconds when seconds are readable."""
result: 9,19
